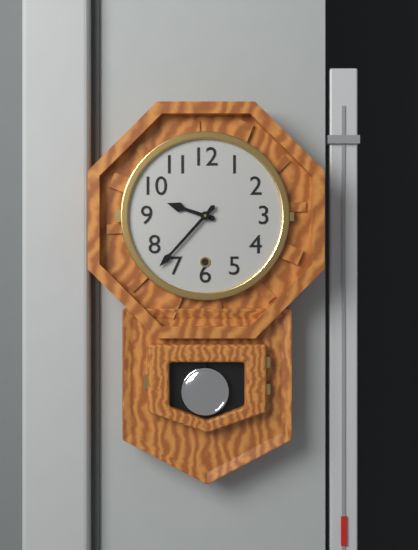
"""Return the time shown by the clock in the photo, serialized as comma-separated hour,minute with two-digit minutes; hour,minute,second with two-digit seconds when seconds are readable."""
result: 9,37
